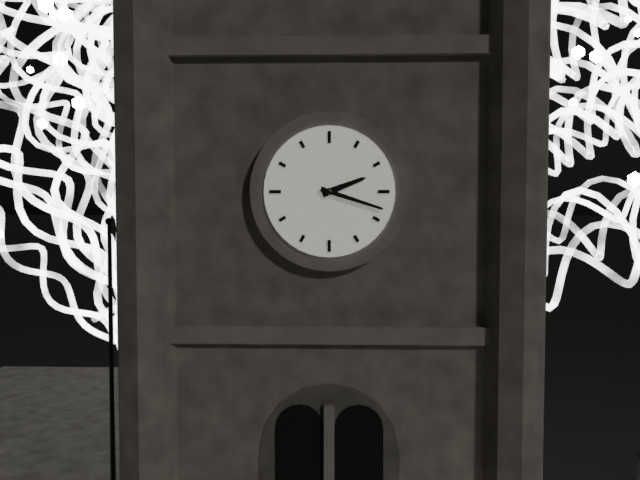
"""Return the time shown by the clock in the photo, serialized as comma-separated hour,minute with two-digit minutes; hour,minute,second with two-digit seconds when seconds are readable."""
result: 2,18
